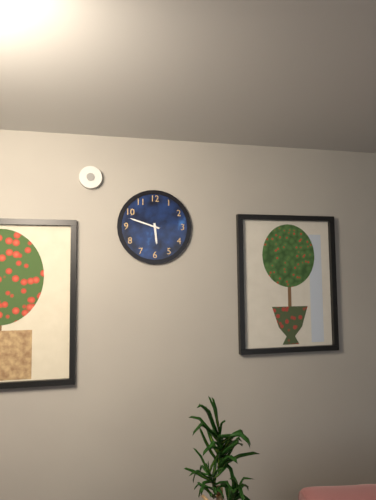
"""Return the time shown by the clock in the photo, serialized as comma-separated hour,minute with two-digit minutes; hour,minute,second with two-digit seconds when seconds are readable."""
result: 5,48
